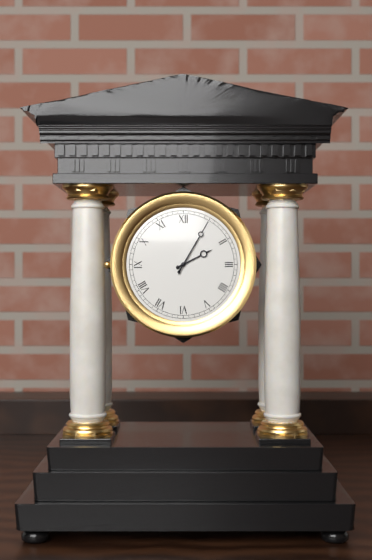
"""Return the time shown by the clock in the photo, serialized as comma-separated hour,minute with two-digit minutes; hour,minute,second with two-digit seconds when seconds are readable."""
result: 2,05
